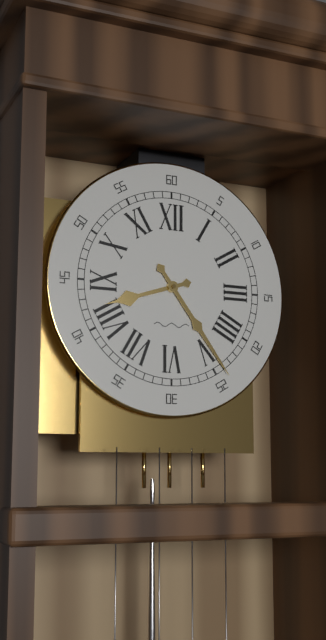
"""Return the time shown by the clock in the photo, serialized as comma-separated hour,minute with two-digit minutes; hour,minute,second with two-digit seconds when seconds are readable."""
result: 8,24
